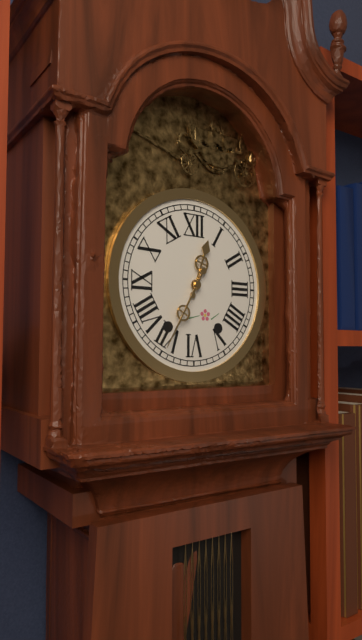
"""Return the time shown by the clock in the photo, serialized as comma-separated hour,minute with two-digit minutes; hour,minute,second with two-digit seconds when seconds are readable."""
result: 12,35
